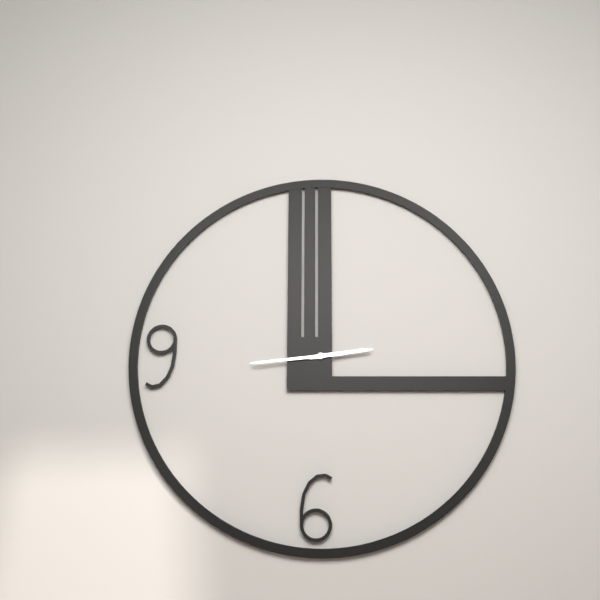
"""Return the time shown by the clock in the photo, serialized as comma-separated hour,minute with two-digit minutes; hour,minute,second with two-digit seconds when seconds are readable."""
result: 2,44
